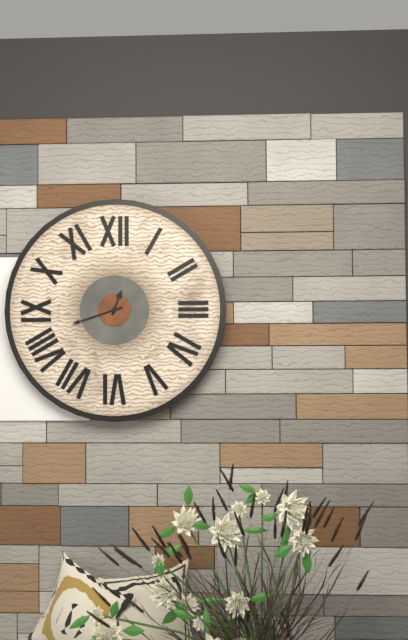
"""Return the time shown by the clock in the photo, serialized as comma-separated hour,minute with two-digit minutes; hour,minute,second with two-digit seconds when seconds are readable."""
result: 12,42
